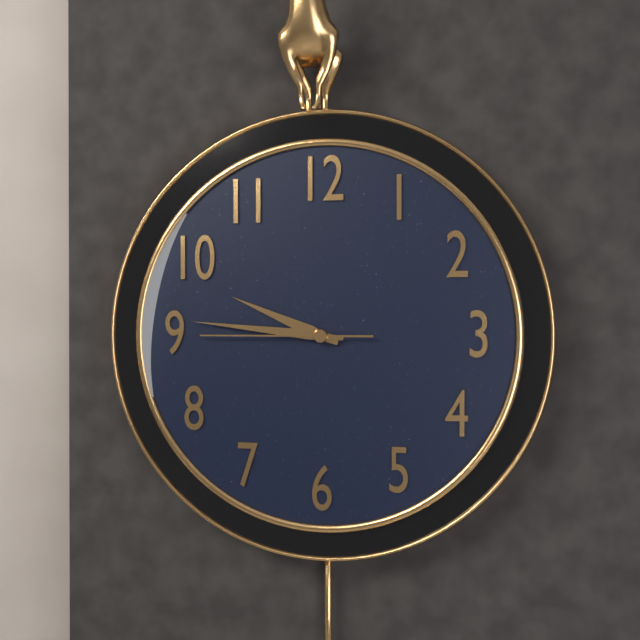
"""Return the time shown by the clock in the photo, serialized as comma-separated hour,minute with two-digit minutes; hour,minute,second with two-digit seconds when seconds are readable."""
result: 9,46,45
